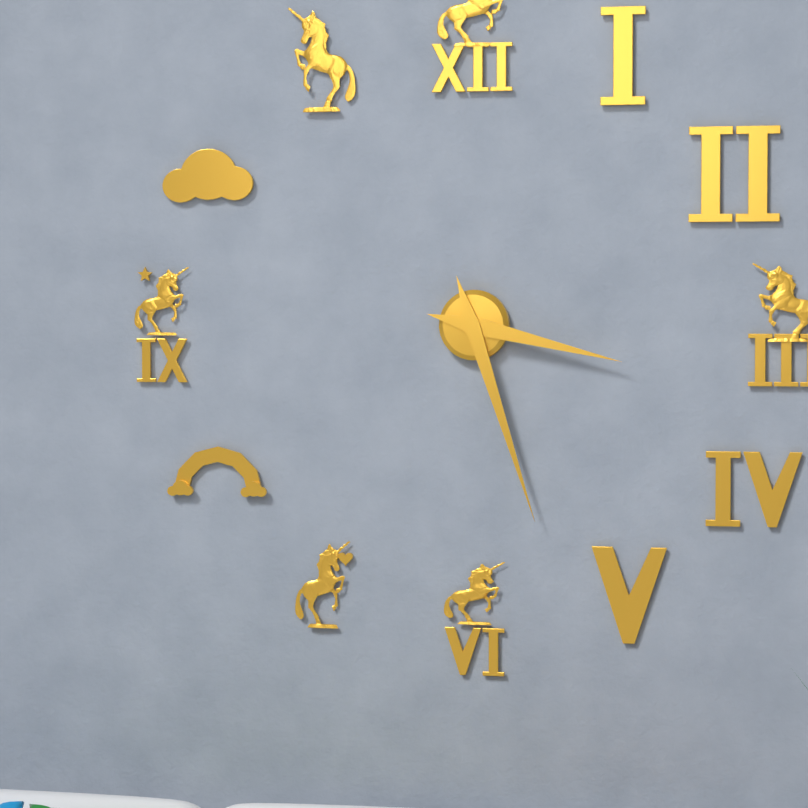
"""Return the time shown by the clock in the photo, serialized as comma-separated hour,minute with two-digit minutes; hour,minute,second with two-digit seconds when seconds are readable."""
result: 3,27
